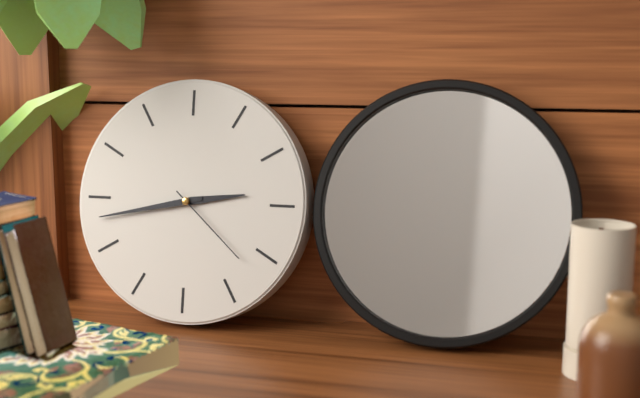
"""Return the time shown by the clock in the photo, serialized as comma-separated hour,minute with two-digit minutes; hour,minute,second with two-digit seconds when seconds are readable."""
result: 2,43,22
